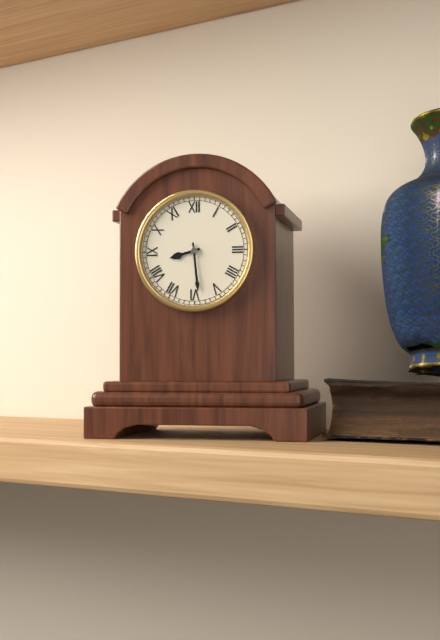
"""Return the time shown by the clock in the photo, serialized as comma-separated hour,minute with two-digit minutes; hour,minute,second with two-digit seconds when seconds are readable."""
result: 8,29
